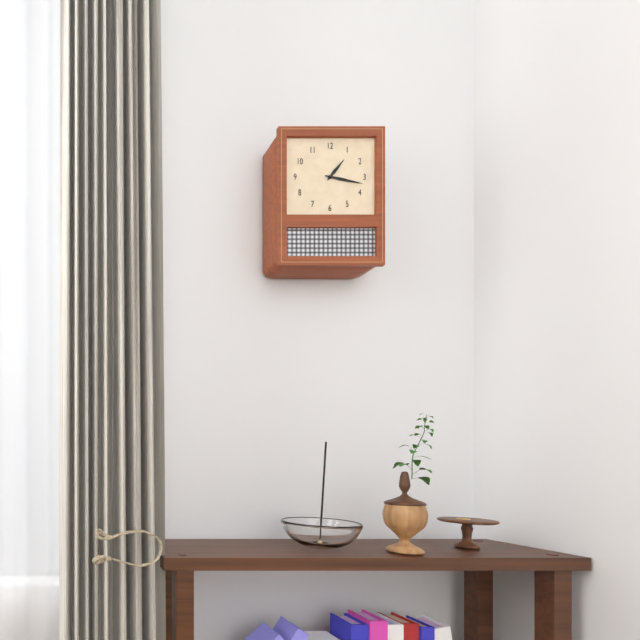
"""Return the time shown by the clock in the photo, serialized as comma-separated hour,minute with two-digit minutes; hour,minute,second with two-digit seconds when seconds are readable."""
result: 1,17
